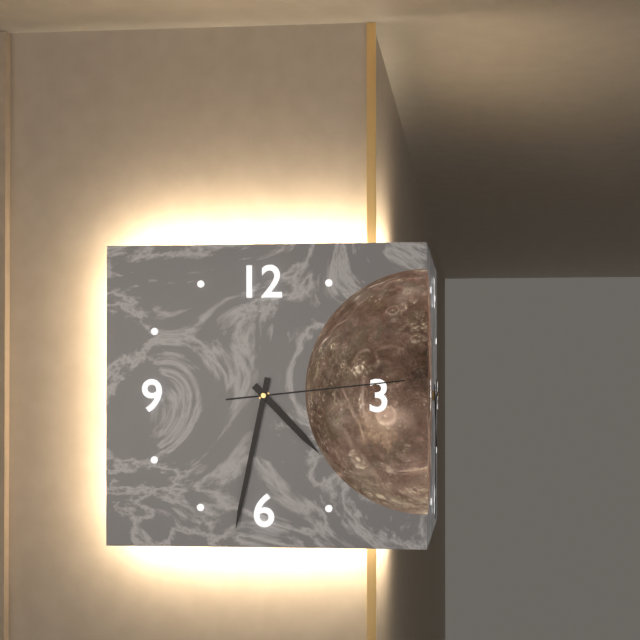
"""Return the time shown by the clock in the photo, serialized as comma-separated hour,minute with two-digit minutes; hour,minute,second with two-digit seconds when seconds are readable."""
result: 4,32,14
